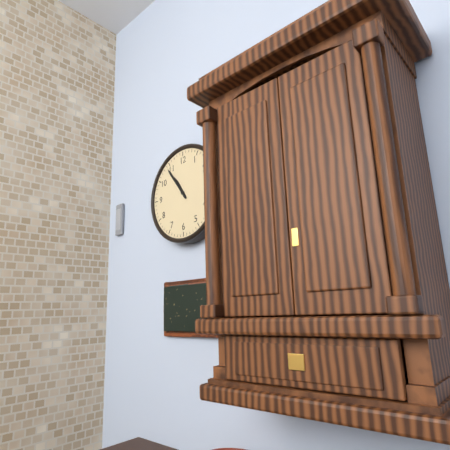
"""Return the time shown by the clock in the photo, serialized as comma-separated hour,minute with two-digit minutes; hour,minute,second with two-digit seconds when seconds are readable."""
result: 10,54
